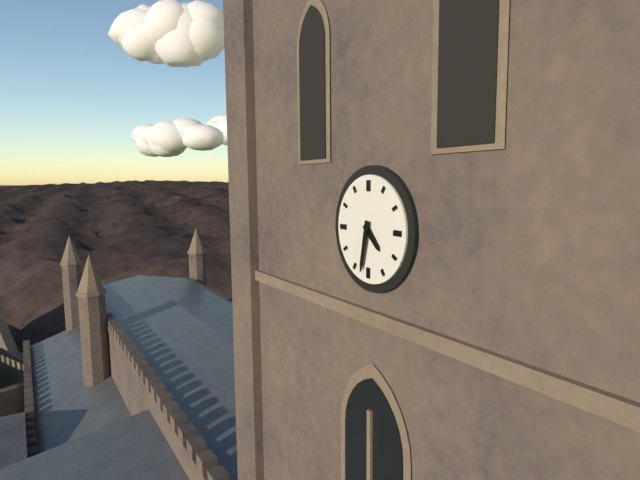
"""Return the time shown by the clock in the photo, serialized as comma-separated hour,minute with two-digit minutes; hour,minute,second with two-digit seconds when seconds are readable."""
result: 4,32
